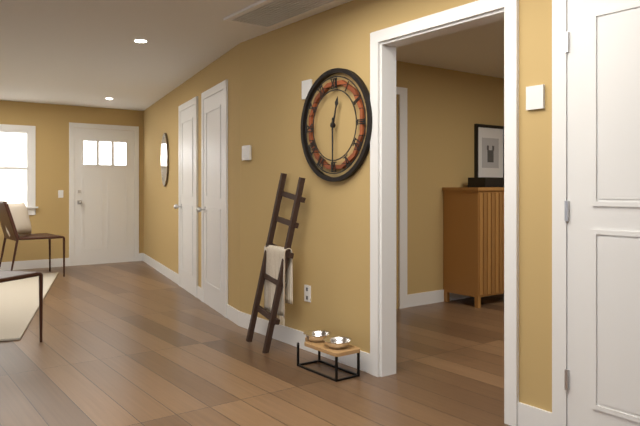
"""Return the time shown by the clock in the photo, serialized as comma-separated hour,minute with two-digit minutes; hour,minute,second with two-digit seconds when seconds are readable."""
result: 12,30
